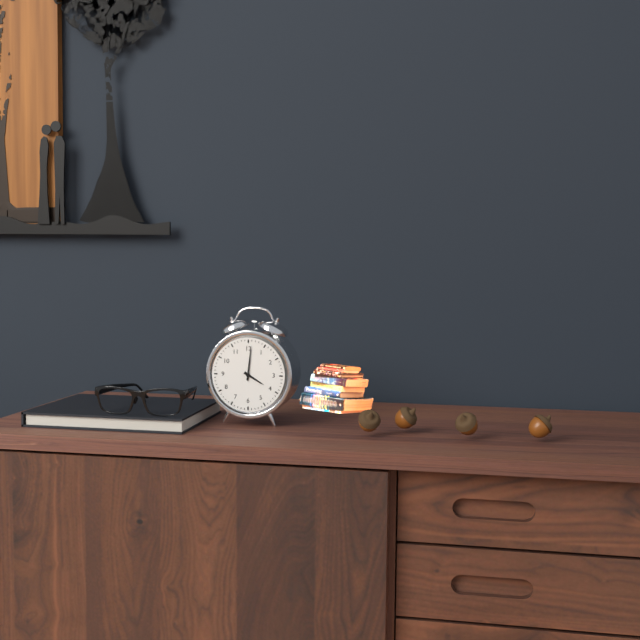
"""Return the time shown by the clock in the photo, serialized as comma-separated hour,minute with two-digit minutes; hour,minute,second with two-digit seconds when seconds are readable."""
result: 4,01
